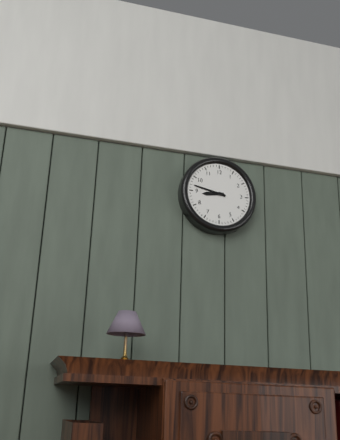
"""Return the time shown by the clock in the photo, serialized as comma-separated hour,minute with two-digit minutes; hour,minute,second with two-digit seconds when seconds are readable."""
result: 8,47
